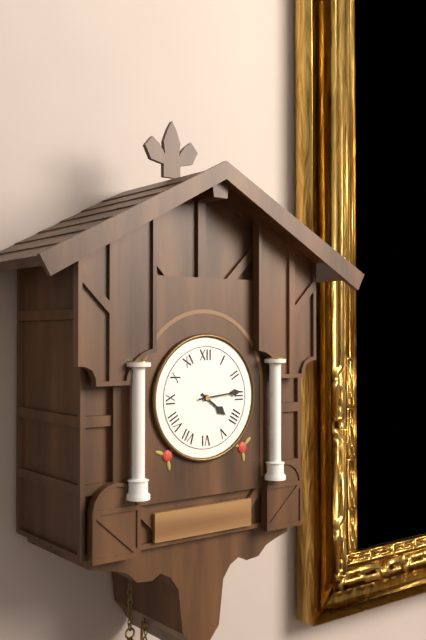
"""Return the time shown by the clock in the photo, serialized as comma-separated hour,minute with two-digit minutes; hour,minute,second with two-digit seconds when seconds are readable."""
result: 4,14
